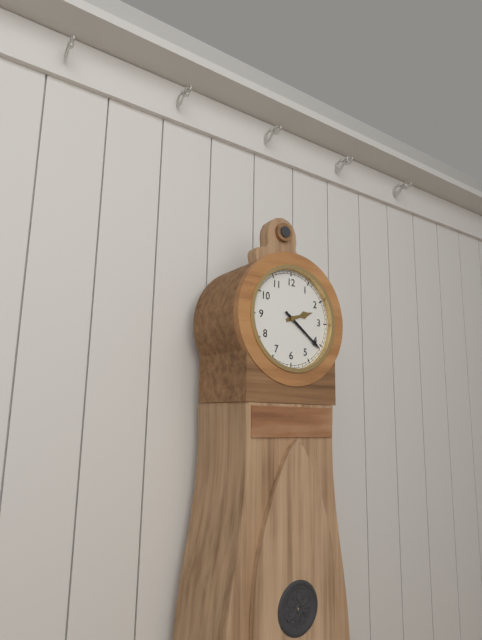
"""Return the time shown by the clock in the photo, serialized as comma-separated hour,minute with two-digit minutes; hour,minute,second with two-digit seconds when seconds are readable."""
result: 2,21
